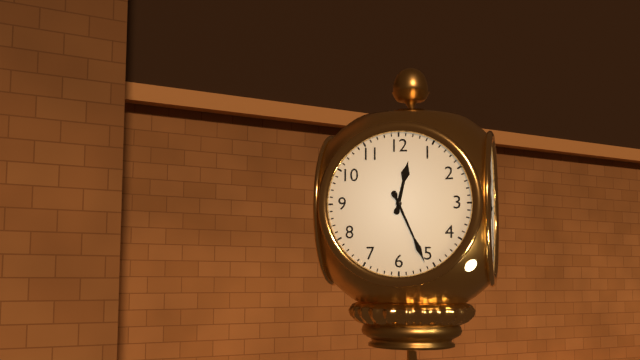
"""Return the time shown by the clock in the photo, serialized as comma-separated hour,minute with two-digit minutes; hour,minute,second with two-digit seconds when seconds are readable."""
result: 12,26
